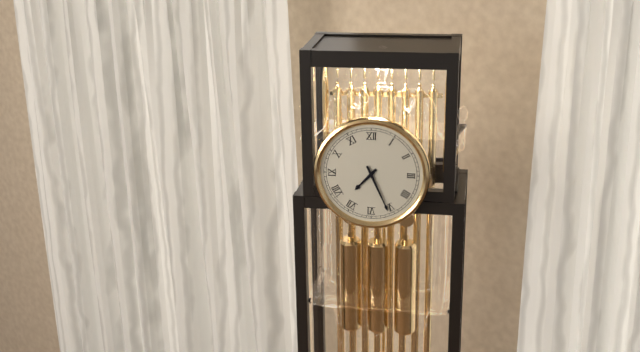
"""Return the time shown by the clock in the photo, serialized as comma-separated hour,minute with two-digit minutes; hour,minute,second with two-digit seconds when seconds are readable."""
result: 7,26
